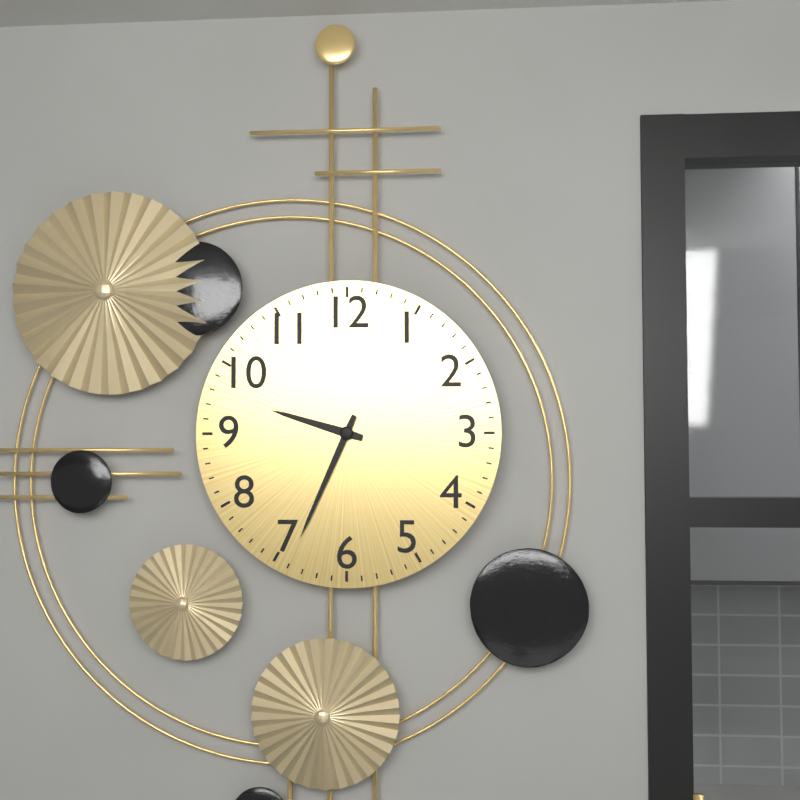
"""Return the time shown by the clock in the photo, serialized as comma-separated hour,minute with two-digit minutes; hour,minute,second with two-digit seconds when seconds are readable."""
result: 9,34
